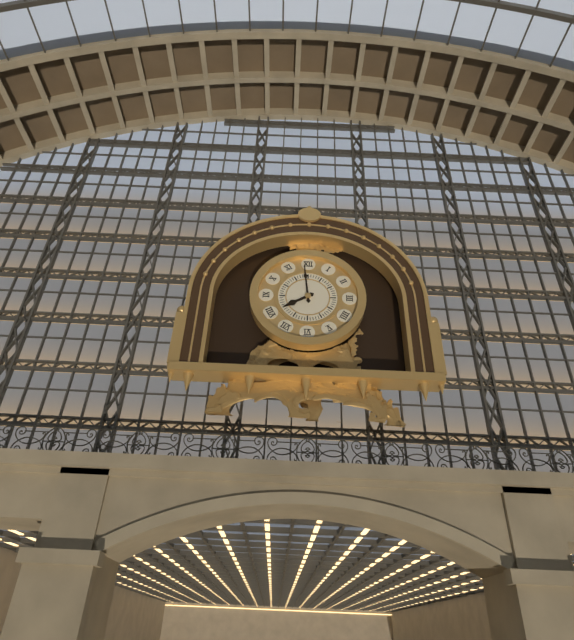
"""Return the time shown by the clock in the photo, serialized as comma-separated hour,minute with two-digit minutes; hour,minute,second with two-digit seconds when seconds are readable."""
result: 7,59
